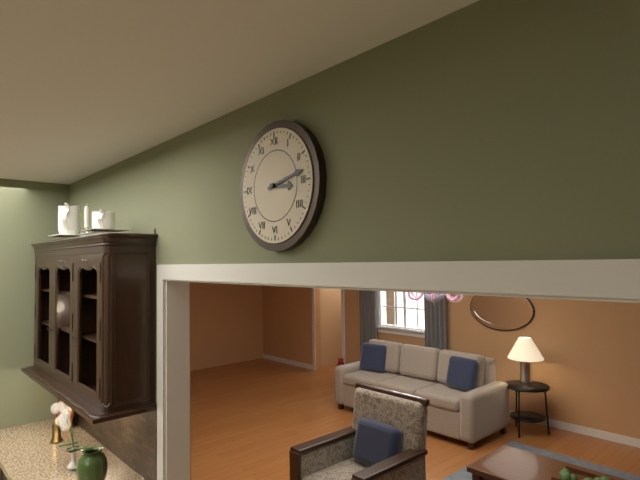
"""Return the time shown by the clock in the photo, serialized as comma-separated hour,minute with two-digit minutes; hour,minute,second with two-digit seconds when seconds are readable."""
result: 3,13
